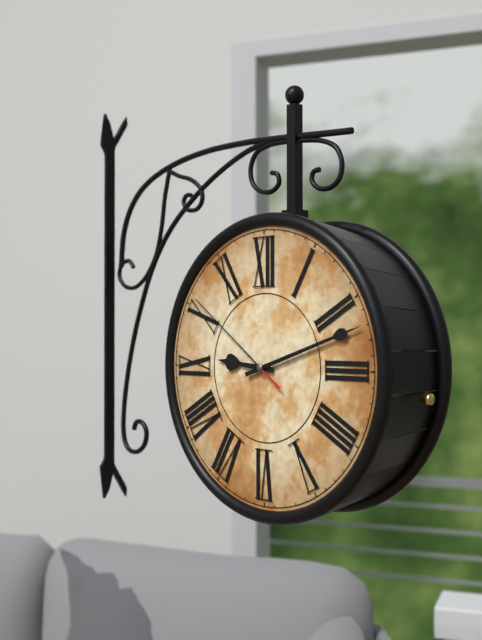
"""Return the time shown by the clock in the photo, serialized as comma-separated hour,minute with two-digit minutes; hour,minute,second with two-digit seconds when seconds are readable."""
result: 9,12,51
